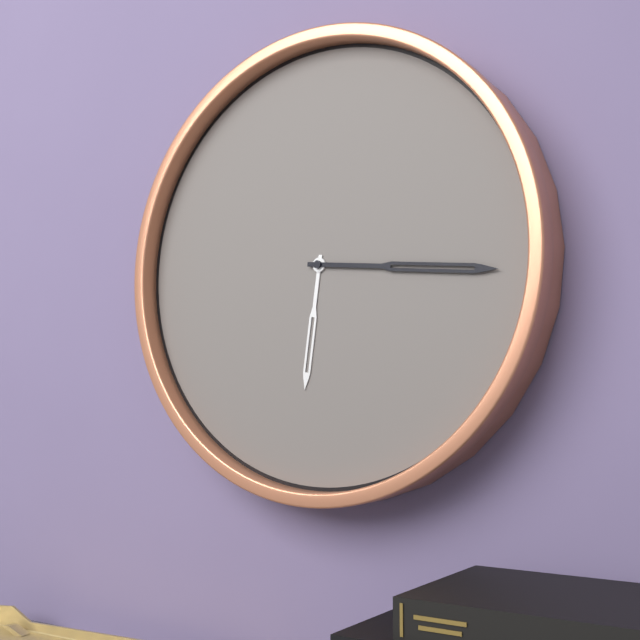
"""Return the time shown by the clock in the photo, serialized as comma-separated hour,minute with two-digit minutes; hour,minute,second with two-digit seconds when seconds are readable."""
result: 6,16
